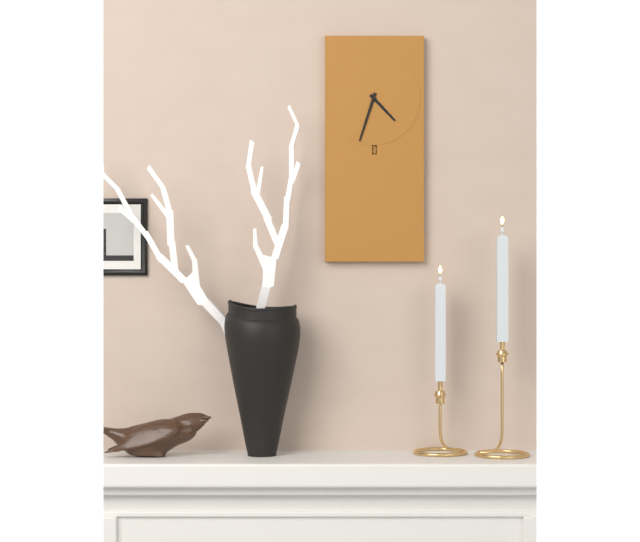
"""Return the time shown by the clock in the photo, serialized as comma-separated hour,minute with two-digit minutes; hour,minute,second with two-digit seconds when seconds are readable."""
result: 4,33
